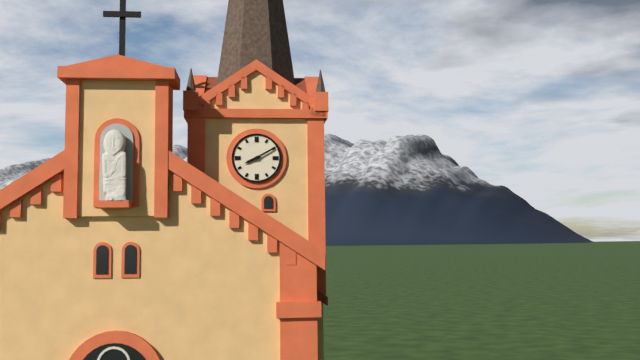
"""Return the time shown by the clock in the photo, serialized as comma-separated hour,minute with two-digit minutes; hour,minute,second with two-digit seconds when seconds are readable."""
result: 8,10
